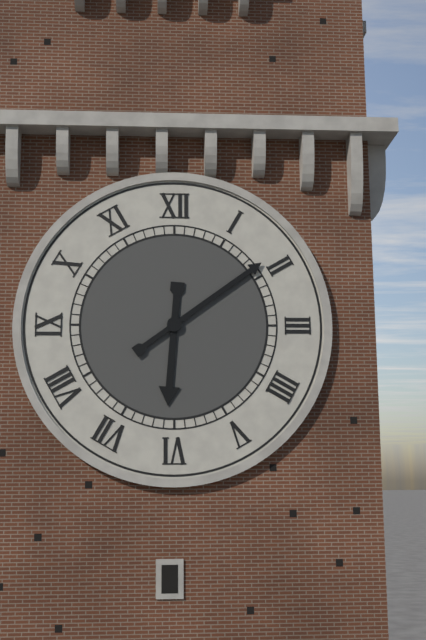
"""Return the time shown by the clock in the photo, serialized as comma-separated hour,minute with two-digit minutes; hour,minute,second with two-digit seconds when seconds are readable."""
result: 6,09
